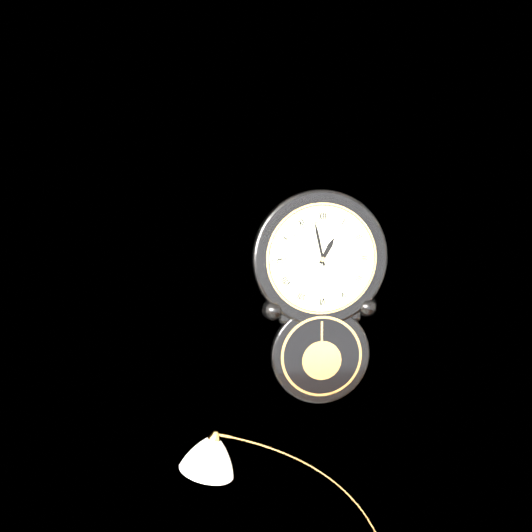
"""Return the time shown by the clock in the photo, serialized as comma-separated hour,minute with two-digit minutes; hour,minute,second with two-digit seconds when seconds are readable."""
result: 12,58
